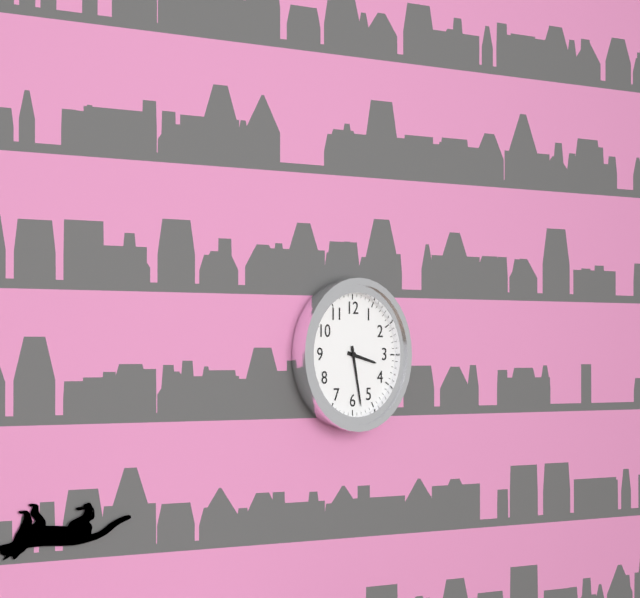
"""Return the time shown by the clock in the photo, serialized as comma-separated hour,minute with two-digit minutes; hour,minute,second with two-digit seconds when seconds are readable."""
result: 3,28
